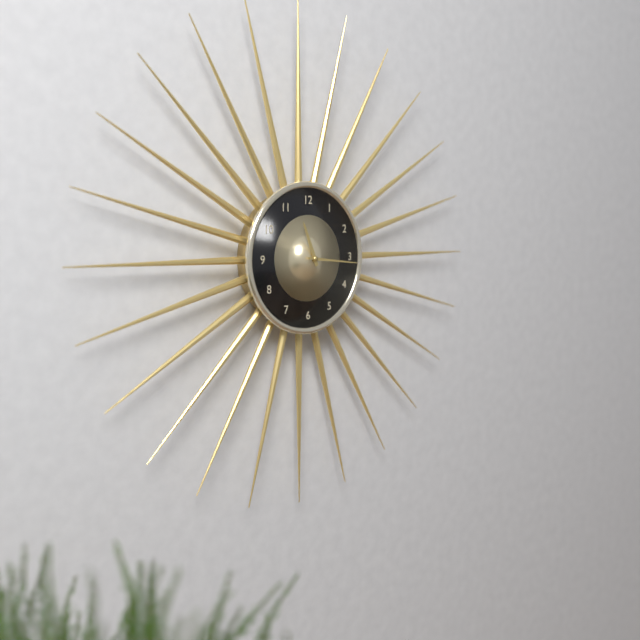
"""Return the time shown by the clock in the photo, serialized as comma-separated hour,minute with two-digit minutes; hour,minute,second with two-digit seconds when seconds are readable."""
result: 11,16
